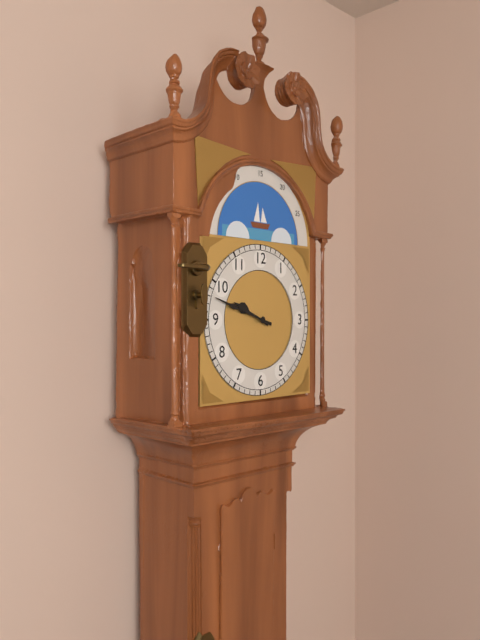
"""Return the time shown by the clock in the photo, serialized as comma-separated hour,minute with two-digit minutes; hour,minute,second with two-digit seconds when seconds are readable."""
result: 9,48
